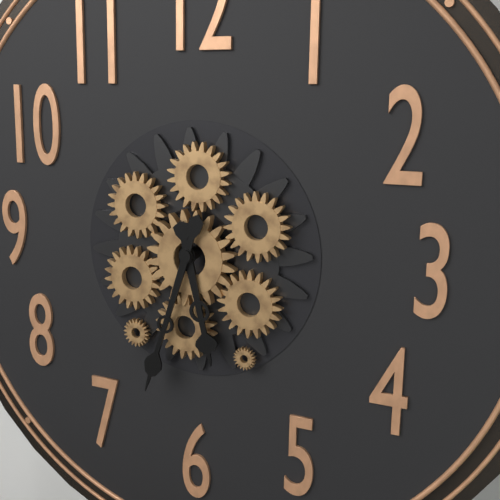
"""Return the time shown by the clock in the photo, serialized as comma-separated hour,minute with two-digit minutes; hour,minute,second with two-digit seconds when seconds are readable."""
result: 5,33
